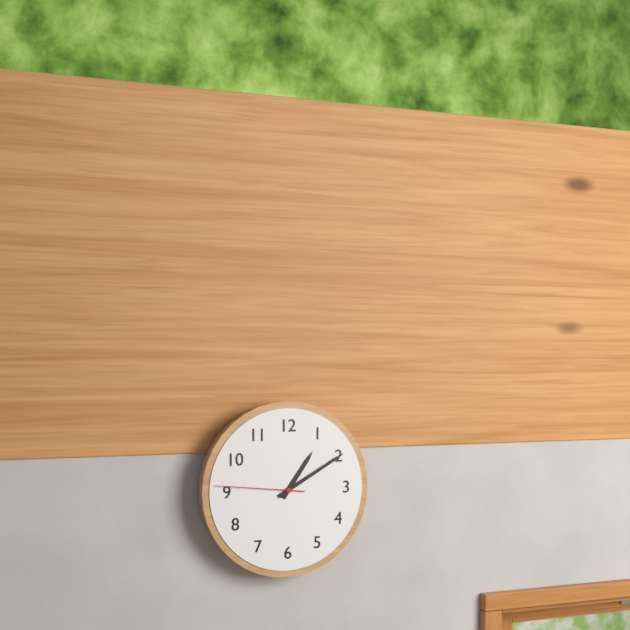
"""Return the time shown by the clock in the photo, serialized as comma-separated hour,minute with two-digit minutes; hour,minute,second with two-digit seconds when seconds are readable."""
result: 1,10,46
